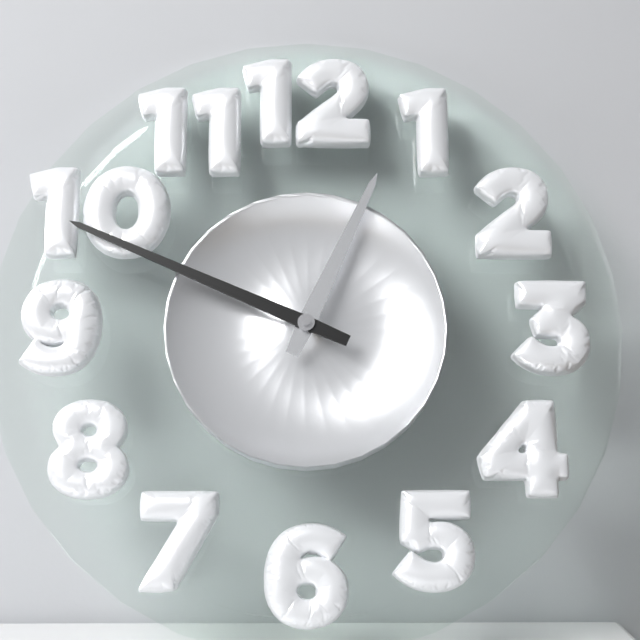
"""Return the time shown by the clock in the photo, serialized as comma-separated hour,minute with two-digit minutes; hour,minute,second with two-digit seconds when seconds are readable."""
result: 12,49
